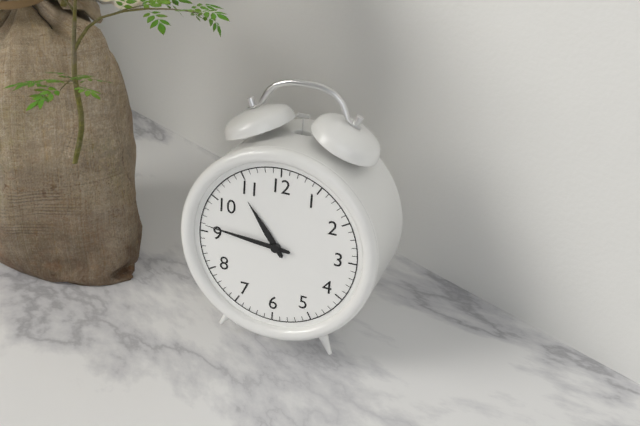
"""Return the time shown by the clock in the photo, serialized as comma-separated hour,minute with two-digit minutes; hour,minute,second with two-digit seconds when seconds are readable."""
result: 10,46
